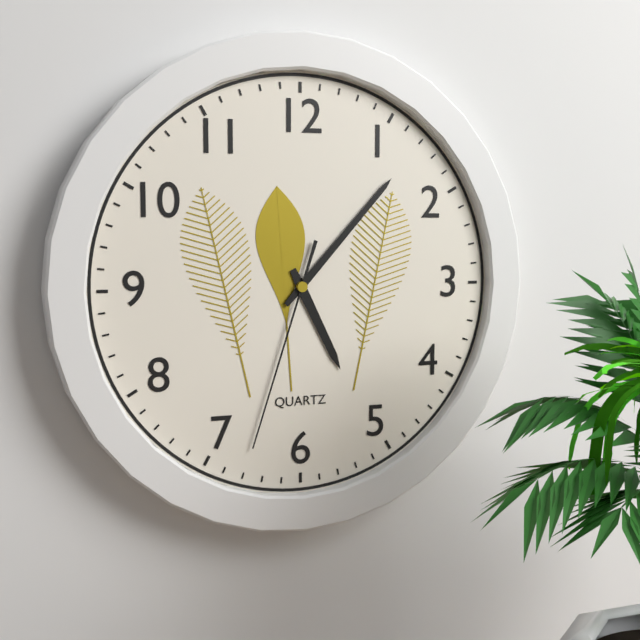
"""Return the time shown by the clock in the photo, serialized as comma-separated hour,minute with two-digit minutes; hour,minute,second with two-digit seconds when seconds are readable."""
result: 5,07,33
